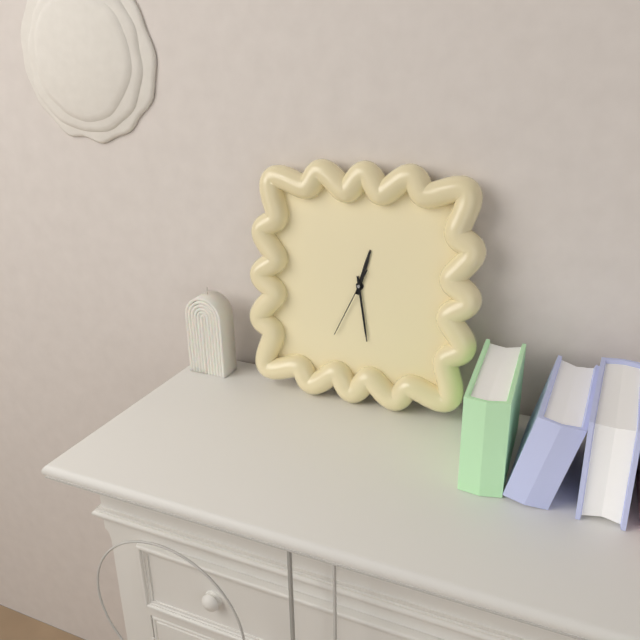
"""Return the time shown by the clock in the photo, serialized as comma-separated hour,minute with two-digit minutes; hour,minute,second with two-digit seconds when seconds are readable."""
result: 12,28,34
